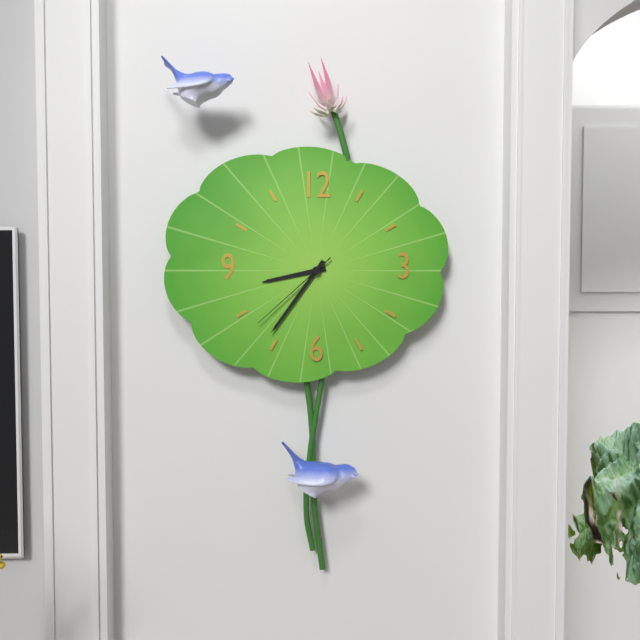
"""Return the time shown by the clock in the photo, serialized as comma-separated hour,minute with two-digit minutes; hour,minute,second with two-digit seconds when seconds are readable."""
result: 8,36,38
